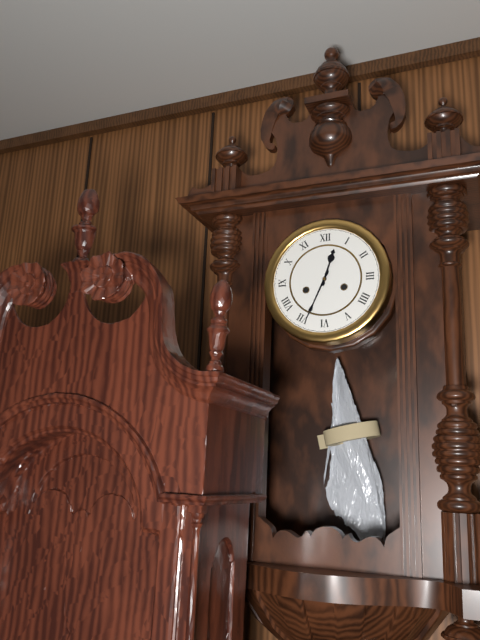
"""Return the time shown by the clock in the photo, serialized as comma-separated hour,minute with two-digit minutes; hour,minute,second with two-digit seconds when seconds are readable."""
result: 12,34
